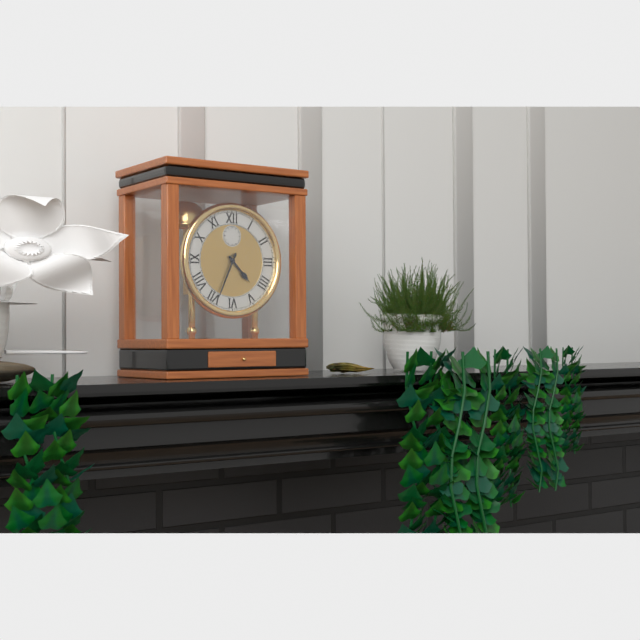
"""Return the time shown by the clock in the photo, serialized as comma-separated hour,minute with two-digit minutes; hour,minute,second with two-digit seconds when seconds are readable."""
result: 4,34
